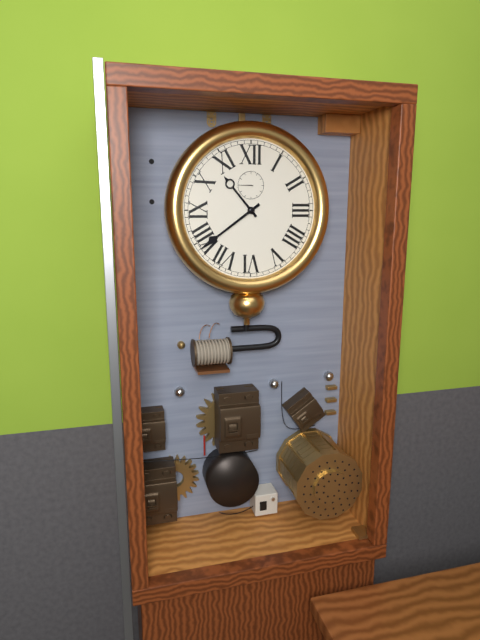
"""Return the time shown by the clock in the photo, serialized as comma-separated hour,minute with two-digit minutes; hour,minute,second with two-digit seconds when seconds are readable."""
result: 10,39
